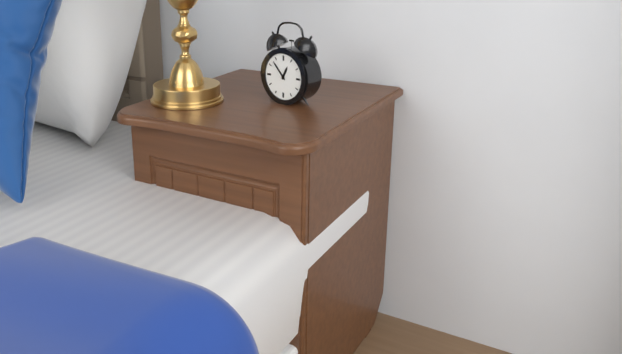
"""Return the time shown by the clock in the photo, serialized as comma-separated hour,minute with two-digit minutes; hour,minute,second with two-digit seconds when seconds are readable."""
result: 12,53
